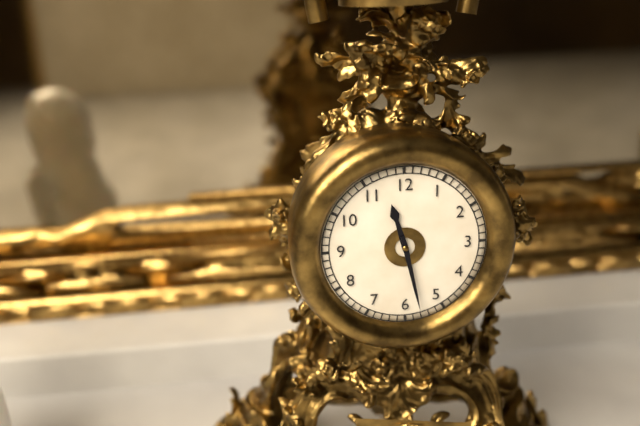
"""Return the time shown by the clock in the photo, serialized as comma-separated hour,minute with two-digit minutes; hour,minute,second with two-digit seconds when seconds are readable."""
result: 11,28
